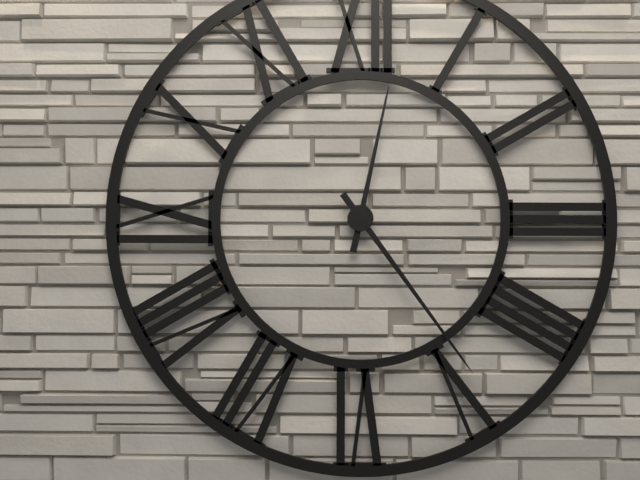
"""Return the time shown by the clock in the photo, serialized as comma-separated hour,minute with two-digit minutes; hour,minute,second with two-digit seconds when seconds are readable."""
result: 12,24
